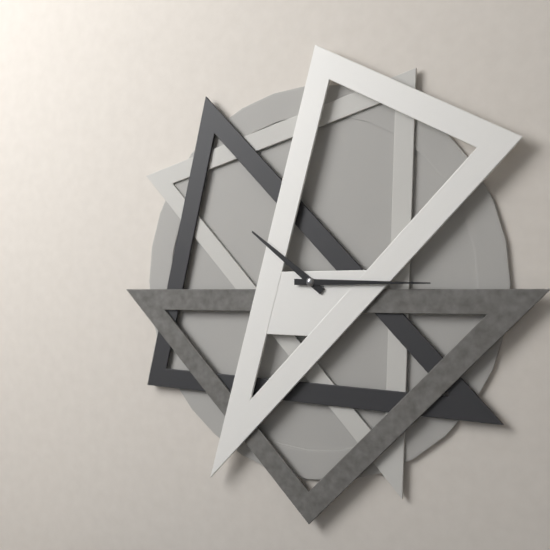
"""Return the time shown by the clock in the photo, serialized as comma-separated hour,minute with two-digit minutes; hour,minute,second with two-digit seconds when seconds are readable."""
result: 10,15
